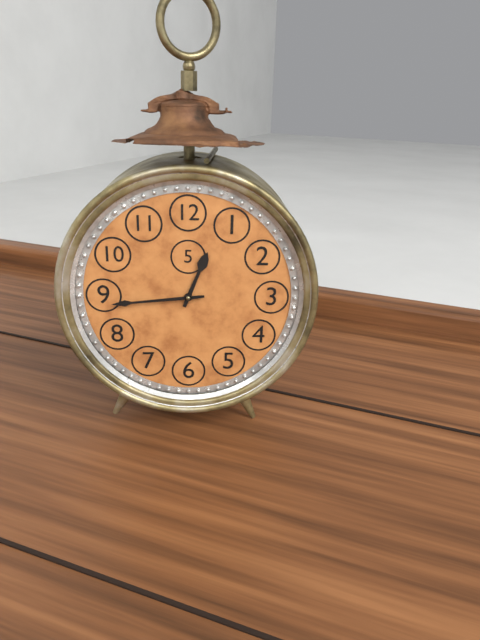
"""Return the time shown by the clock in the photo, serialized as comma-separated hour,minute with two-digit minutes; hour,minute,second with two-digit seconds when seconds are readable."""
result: 12,44
